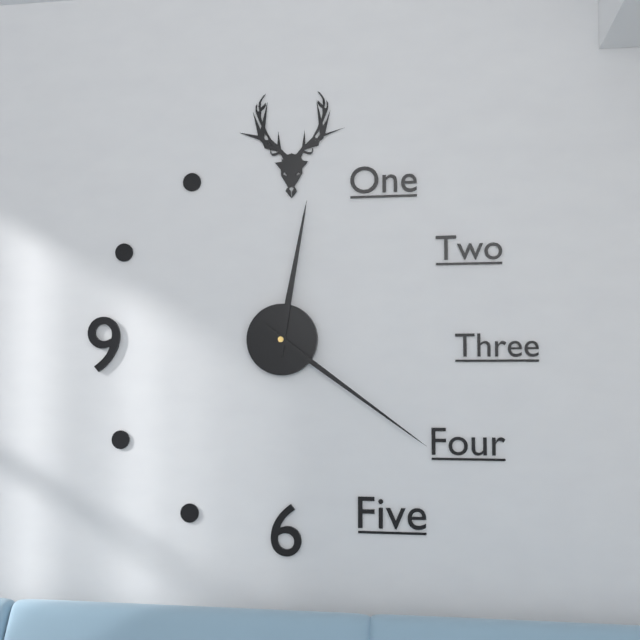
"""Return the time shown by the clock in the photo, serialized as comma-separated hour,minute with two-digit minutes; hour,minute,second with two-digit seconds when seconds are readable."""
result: 12,21
